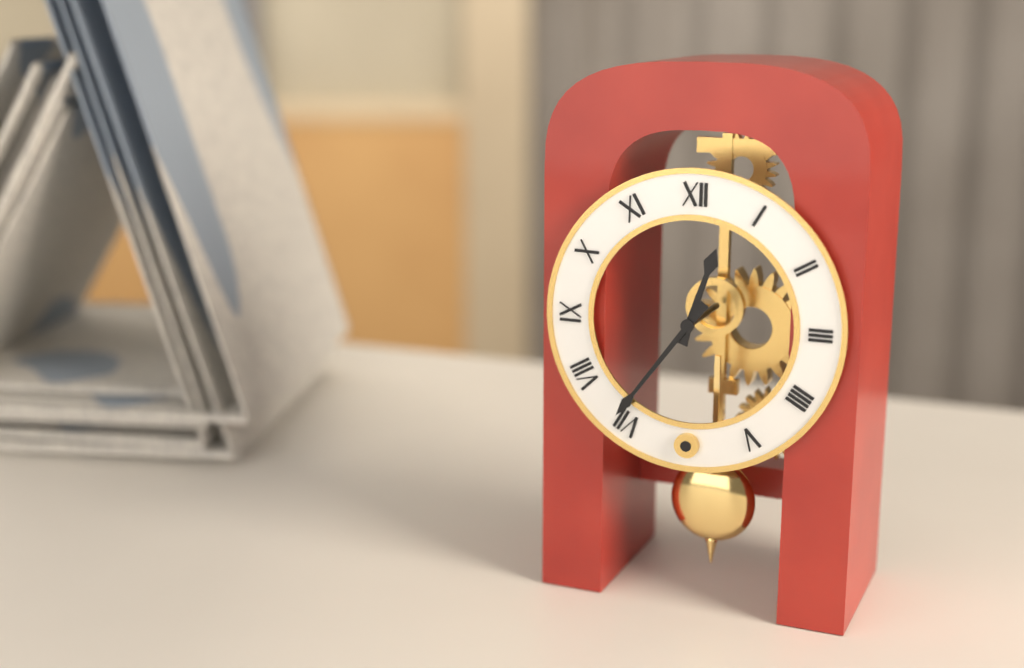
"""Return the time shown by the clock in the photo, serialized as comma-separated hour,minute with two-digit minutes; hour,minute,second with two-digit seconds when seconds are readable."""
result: 12,36
